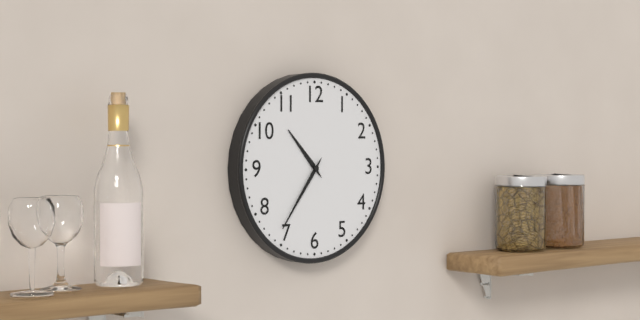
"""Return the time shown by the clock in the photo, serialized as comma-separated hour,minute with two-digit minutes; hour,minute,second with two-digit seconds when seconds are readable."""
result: 10,36
